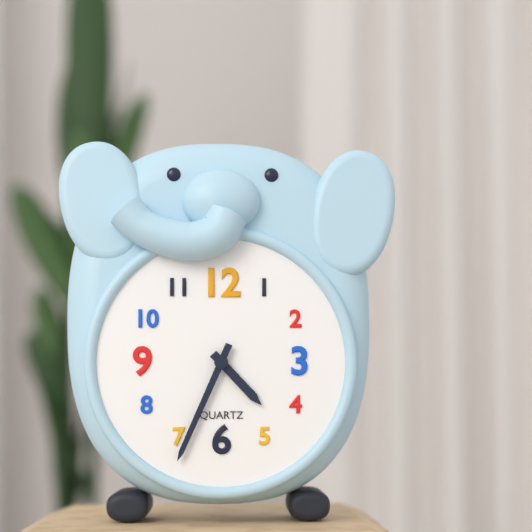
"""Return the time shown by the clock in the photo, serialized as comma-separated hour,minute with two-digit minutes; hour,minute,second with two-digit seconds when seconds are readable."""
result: 4,34
